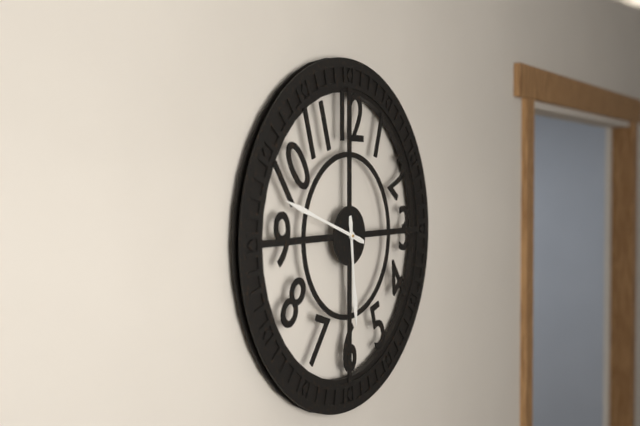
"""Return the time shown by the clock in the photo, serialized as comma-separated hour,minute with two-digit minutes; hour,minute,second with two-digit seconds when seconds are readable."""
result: 5,48
